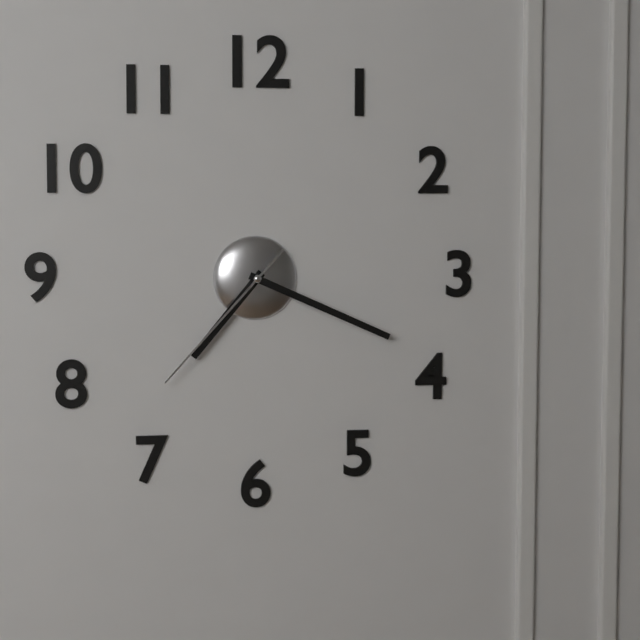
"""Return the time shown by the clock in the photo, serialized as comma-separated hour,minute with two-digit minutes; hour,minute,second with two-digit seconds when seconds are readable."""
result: 7,19,37
